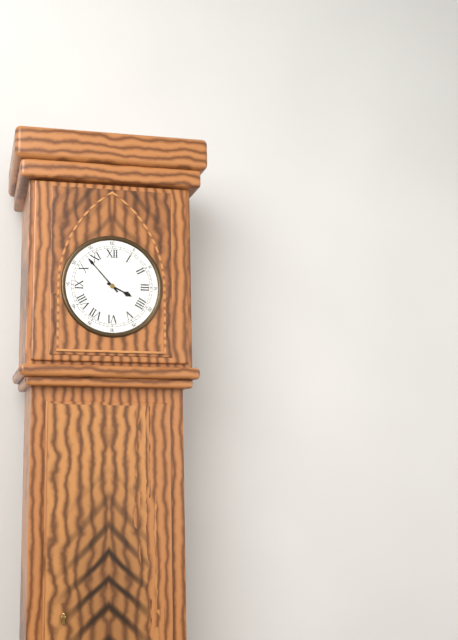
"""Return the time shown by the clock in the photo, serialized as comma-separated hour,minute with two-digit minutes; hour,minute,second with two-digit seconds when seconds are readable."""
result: 3,53
